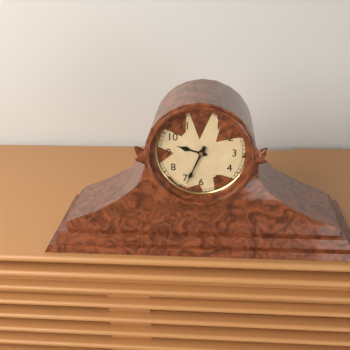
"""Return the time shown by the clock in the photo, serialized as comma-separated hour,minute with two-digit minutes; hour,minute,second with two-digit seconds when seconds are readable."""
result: 9,34
